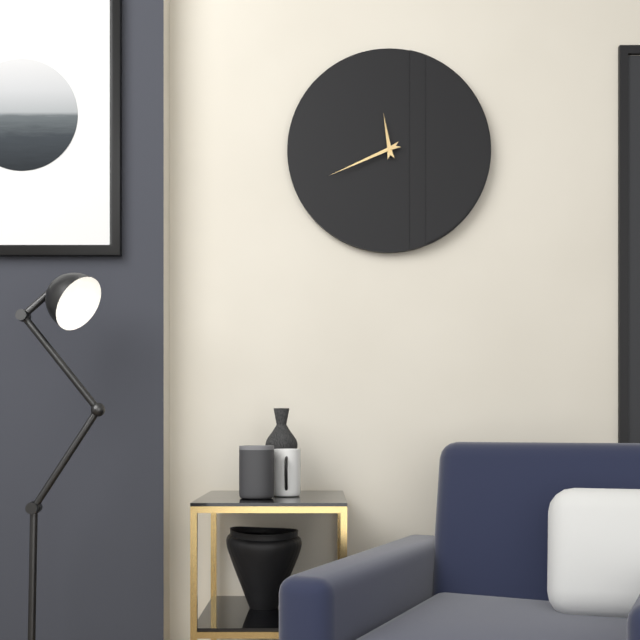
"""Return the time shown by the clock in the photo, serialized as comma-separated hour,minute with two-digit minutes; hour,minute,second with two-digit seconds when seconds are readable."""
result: 11,41
